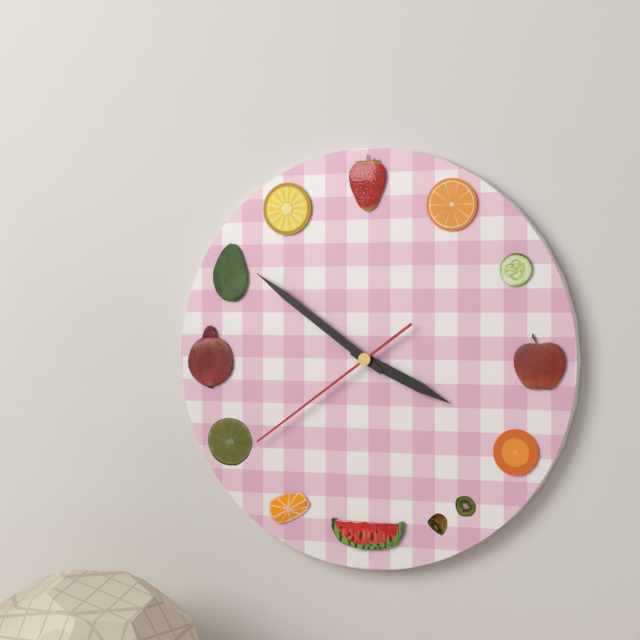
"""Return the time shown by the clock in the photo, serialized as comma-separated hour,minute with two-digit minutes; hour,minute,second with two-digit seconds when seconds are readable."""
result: 3,51,39
